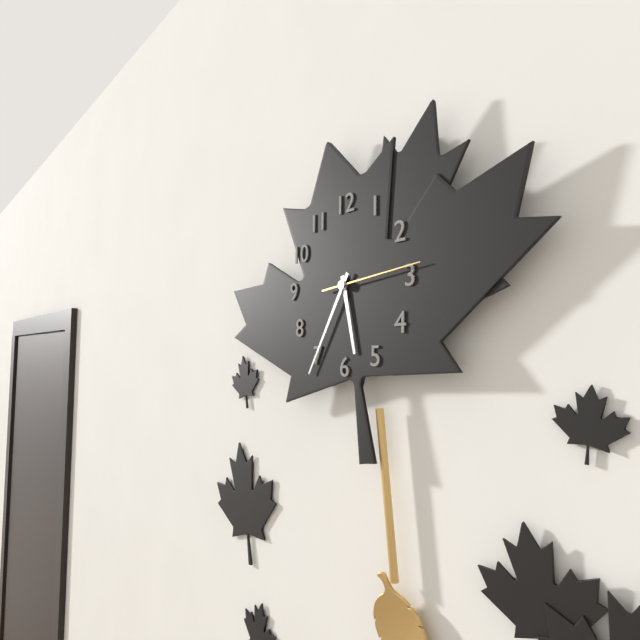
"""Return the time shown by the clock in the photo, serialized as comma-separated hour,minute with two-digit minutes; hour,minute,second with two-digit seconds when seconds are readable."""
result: 5,35,14
